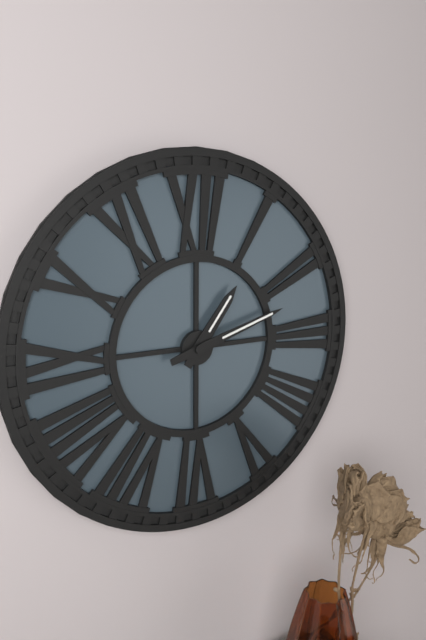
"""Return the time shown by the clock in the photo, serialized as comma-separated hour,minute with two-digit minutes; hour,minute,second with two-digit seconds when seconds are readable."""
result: 1,12
